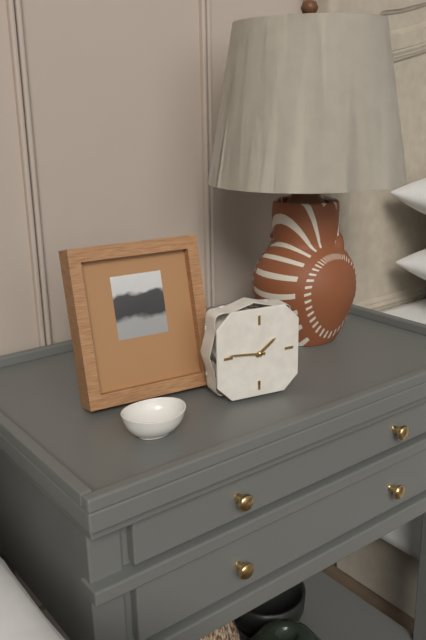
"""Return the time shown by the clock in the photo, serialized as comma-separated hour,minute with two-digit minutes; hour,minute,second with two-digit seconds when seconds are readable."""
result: 1,46
